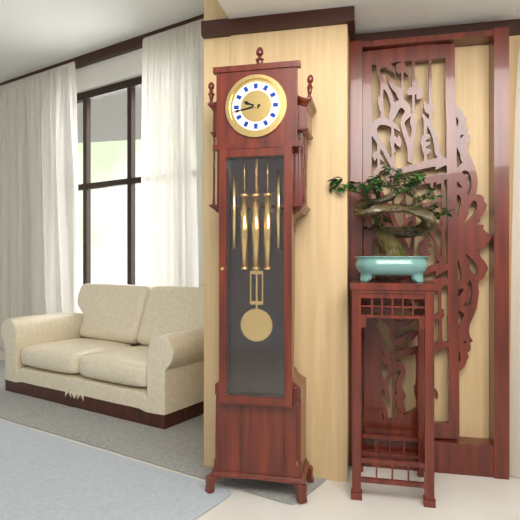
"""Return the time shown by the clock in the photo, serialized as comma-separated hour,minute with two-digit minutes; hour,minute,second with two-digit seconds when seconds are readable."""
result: 9,43
